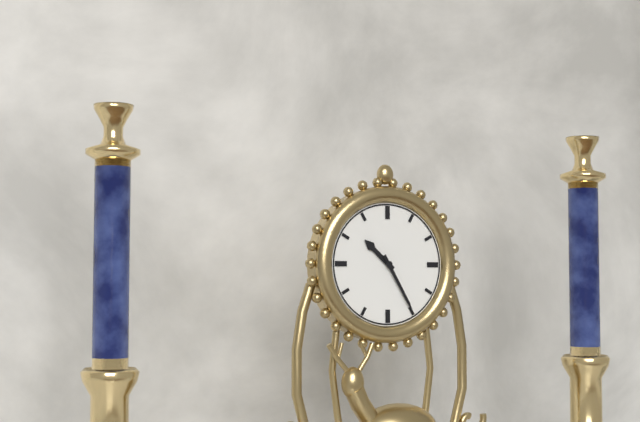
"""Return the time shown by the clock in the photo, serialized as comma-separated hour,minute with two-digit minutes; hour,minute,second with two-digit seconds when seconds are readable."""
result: 10,25
